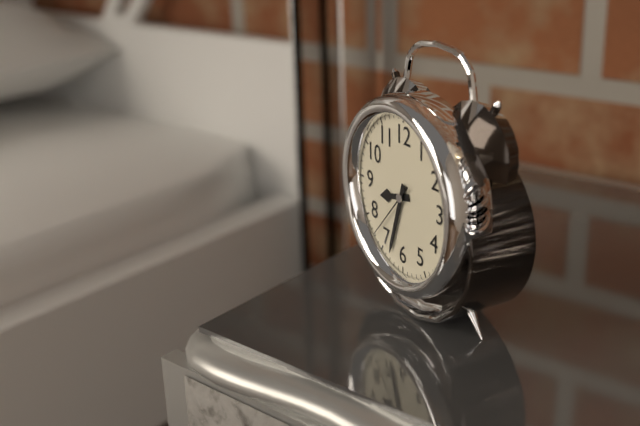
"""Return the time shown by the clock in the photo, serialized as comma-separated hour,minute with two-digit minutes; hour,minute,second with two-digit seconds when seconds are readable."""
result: 8,33,37
